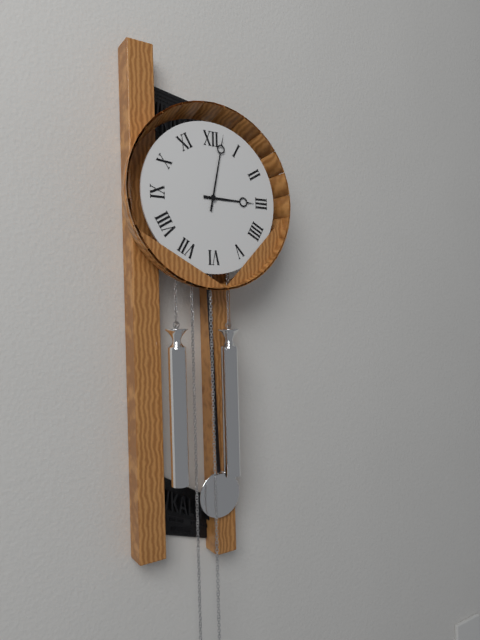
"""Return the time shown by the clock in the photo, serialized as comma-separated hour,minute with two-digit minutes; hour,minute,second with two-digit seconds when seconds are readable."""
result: 3,02
